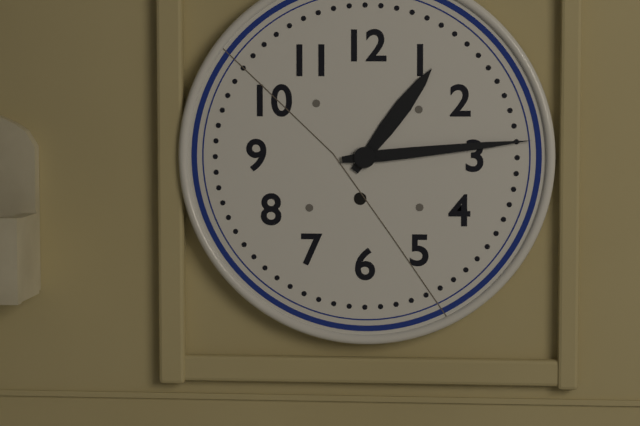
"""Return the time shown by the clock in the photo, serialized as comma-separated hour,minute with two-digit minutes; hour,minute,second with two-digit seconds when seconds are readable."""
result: 1,14
